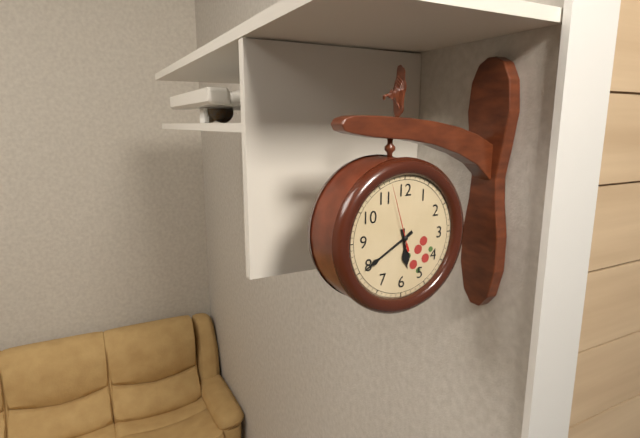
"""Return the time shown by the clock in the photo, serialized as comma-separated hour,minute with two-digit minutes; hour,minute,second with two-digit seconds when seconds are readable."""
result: 5,40,57
